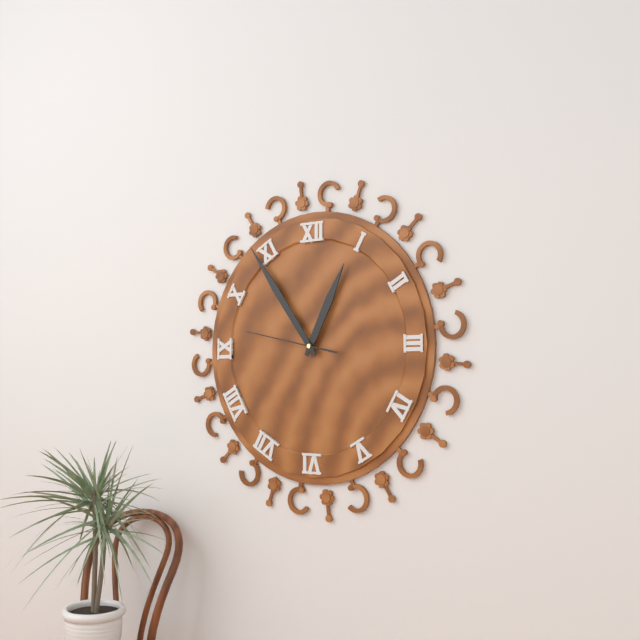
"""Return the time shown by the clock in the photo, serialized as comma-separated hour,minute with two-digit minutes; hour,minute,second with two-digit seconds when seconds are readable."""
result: 12,54,47
